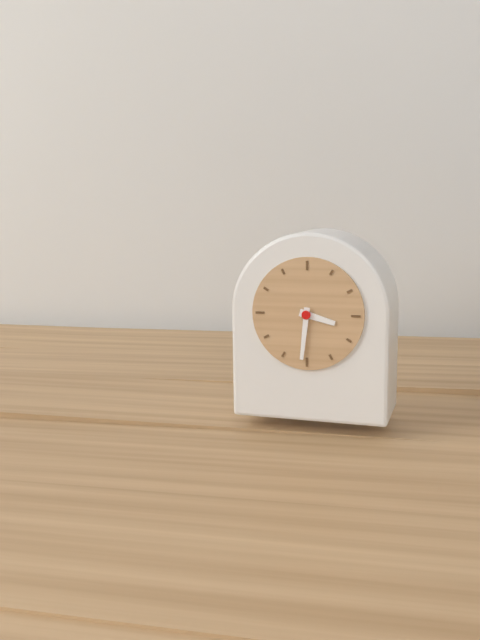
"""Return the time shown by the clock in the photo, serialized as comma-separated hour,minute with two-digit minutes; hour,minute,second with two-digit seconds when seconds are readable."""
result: 3,31
